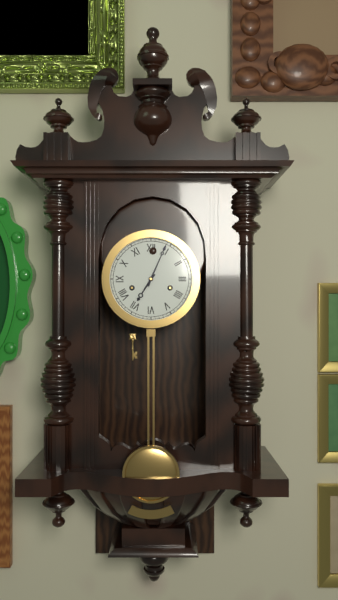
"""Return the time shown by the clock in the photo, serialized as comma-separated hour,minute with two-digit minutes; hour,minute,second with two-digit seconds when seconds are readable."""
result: 7,04
